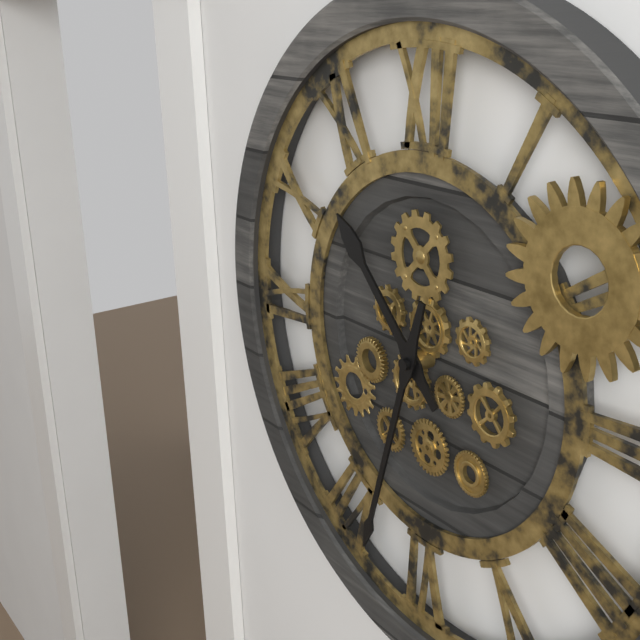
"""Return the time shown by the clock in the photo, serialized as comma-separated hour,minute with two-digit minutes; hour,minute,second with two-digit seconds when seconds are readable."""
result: 10,33
